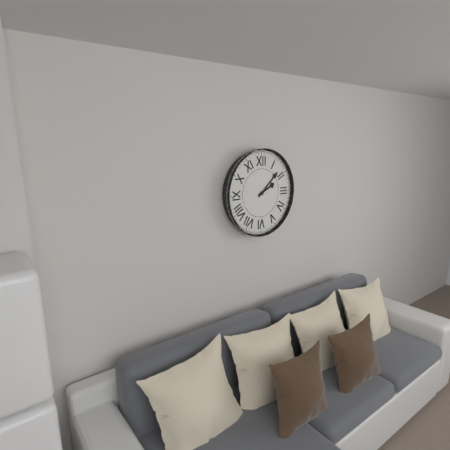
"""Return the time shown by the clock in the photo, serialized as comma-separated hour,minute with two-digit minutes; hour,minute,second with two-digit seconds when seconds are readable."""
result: 2,08
